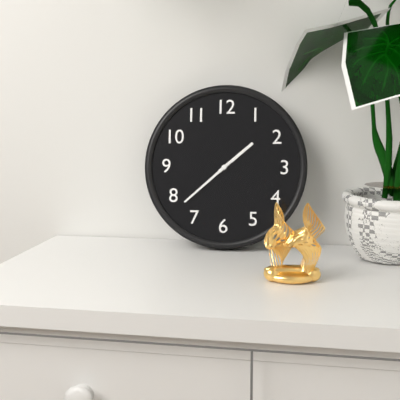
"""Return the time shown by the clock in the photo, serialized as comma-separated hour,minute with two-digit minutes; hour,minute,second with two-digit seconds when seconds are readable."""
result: 1,38
